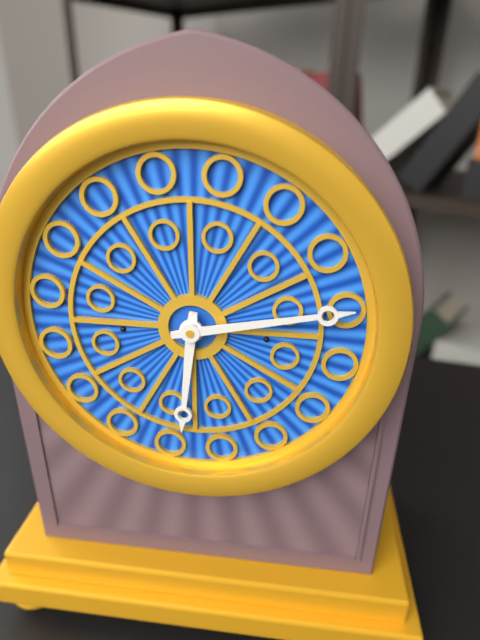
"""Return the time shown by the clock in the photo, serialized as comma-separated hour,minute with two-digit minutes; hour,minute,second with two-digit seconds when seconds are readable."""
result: 6,13
